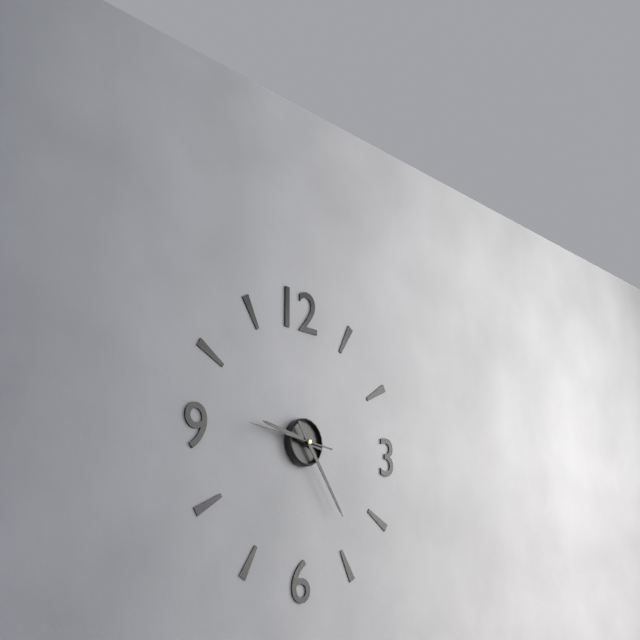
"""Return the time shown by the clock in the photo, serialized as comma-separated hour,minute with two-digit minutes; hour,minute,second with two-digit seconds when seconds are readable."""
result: 9,24,46
